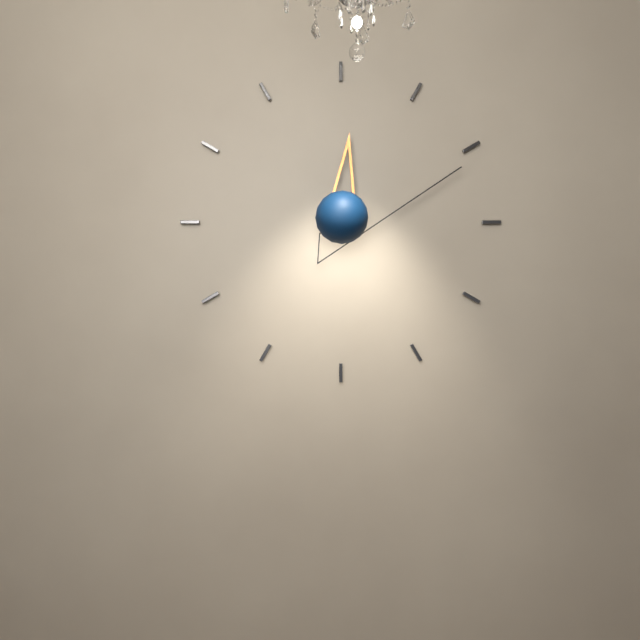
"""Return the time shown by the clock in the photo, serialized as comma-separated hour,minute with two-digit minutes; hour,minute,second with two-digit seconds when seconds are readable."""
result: 12,11
